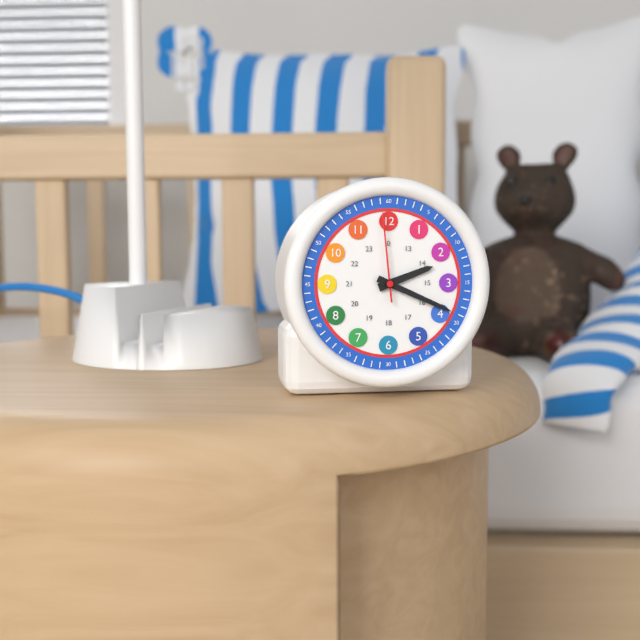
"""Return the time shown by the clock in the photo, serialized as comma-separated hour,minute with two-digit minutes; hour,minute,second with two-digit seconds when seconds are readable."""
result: 2,19,59
